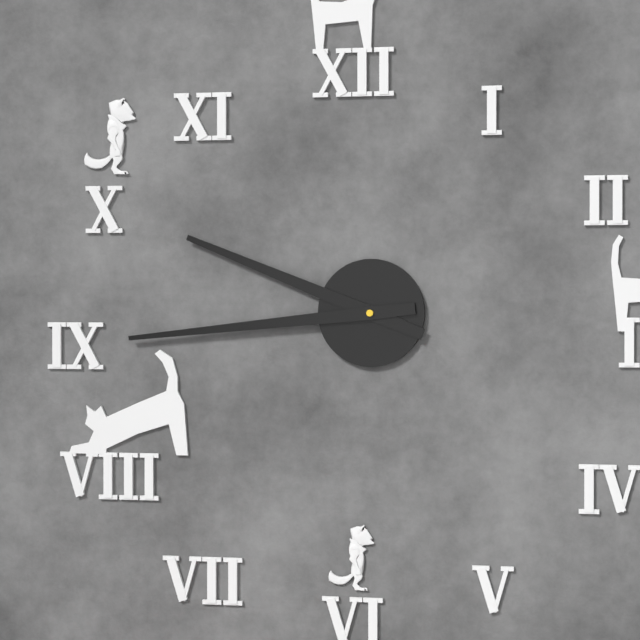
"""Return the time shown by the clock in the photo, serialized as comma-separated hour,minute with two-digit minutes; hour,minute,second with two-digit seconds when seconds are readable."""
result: 9,44
